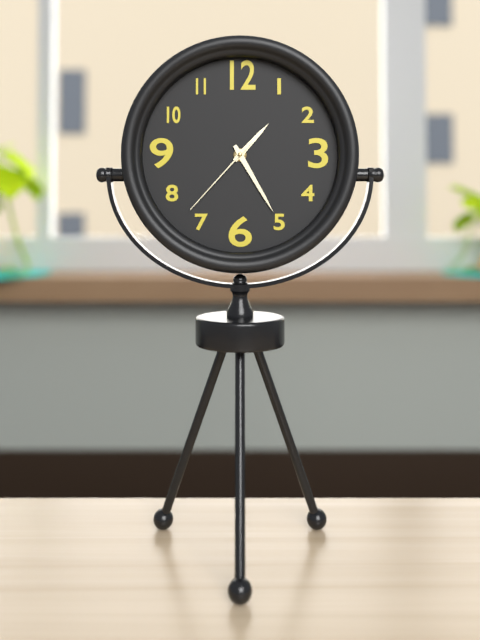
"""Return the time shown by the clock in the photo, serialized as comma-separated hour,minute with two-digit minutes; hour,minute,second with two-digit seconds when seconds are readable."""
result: 1,25,37
